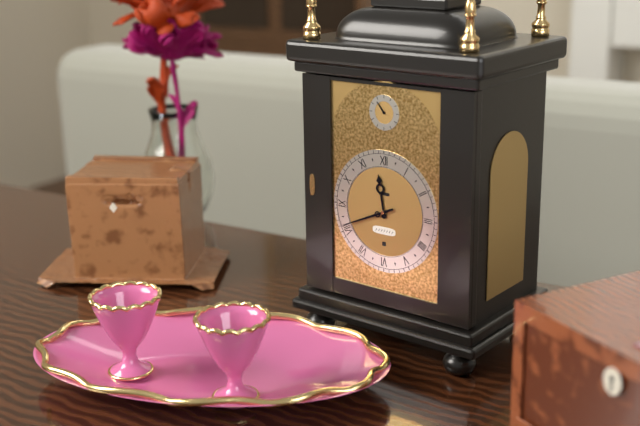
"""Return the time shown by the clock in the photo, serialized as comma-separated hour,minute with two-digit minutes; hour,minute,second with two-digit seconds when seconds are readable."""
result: 11,41
